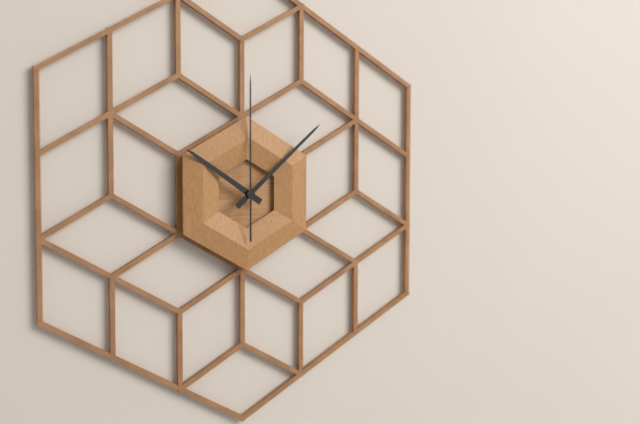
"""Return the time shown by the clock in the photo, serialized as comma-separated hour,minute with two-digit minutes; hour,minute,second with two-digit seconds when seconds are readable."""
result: 10,08,00
